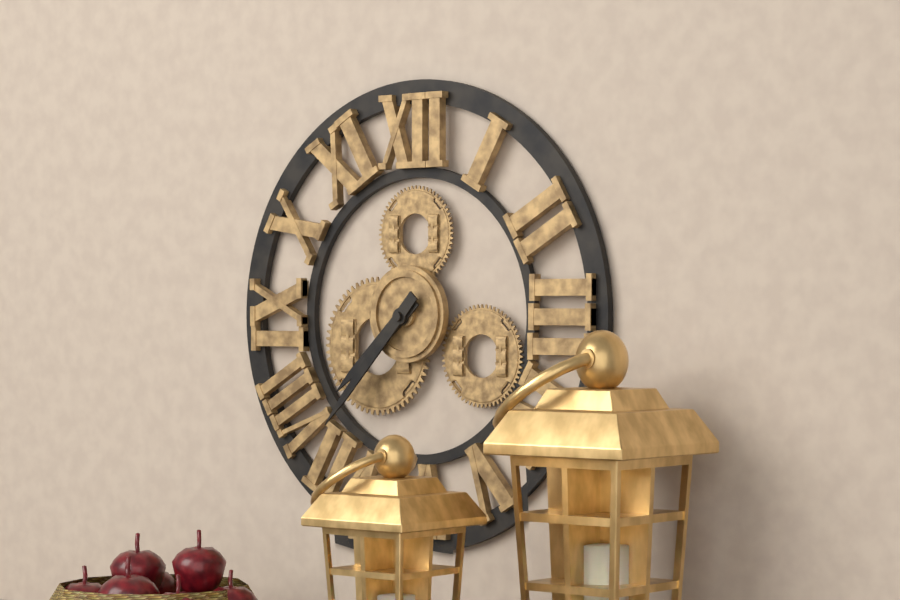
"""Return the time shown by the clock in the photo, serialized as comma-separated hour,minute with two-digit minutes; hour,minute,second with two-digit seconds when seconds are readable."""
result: 7,37
